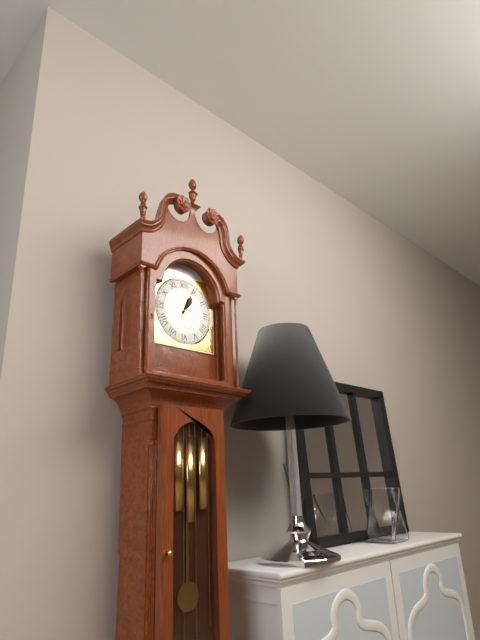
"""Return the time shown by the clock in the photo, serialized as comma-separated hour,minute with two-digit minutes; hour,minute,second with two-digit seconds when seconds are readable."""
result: 1,04
